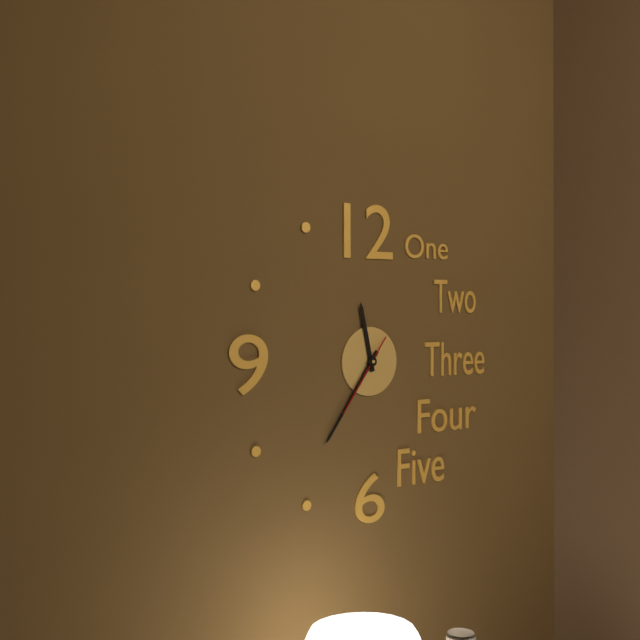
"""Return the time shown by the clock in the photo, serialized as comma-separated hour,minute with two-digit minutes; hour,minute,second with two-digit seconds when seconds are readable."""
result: 11,36,36
